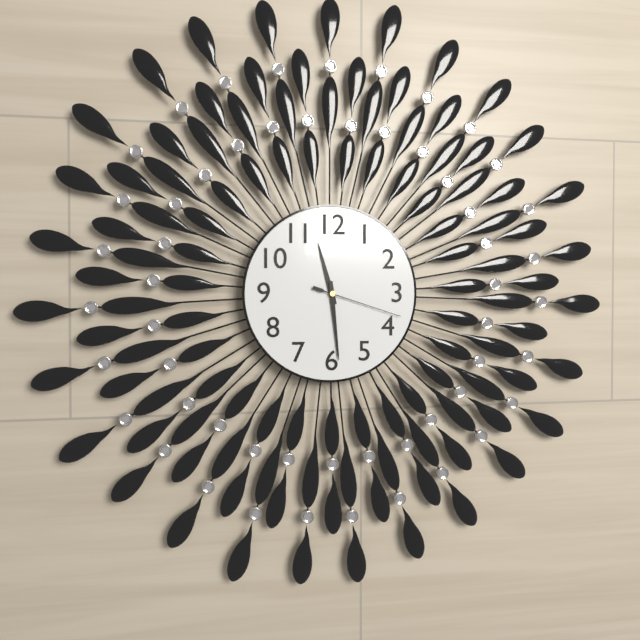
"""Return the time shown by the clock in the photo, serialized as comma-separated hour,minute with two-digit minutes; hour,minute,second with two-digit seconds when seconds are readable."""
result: 11,29,18
